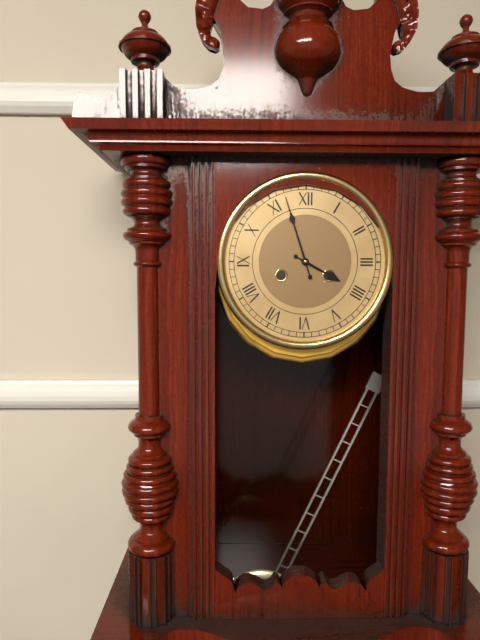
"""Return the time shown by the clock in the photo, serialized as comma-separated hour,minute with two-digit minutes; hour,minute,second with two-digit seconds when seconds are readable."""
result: 3,57
